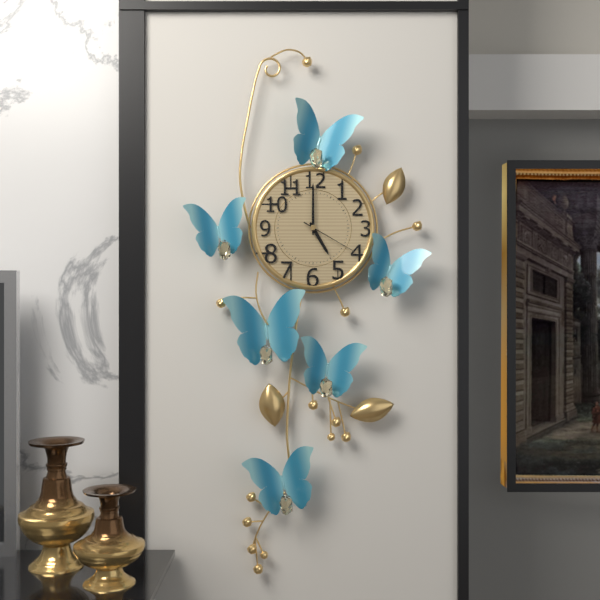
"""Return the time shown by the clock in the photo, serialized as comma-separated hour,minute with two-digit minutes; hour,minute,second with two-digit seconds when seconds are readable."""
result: 5,00,20
